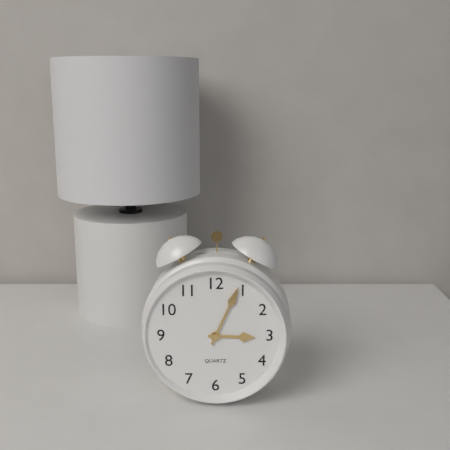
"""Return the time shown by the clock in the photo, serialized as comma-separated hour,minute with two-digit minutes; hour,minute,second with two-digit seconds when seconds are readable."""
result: 3,04
